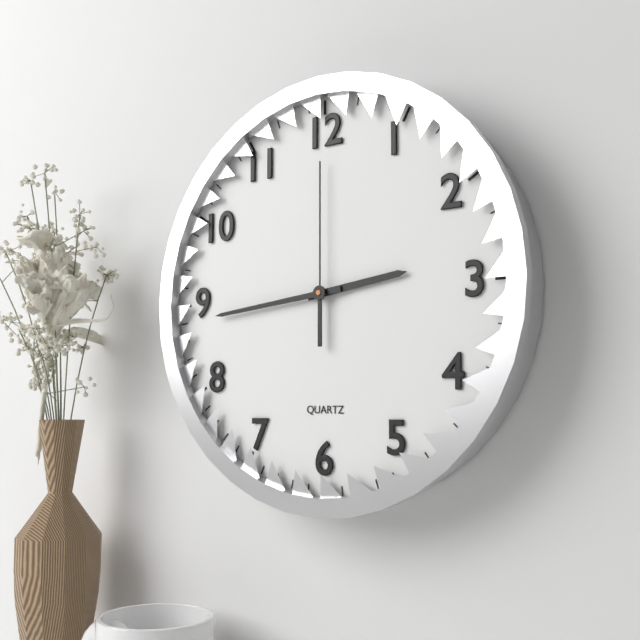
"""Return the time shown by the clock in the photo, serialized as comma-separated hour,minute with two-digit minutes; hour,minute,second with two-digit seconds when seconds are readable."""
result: 2,44,00
